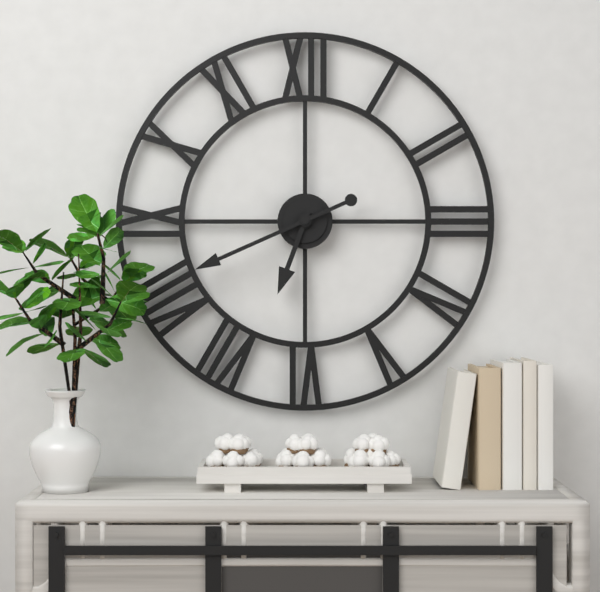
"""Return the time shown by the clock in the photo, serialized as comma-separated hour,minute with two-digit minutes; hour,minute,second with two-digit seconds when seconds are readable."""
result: 6,41
